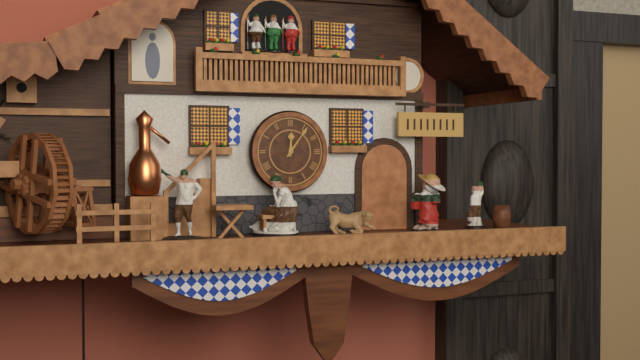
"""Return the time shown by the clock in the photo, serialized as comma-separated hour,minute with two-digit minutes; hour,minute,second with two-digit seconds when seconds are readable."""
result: 12,06
